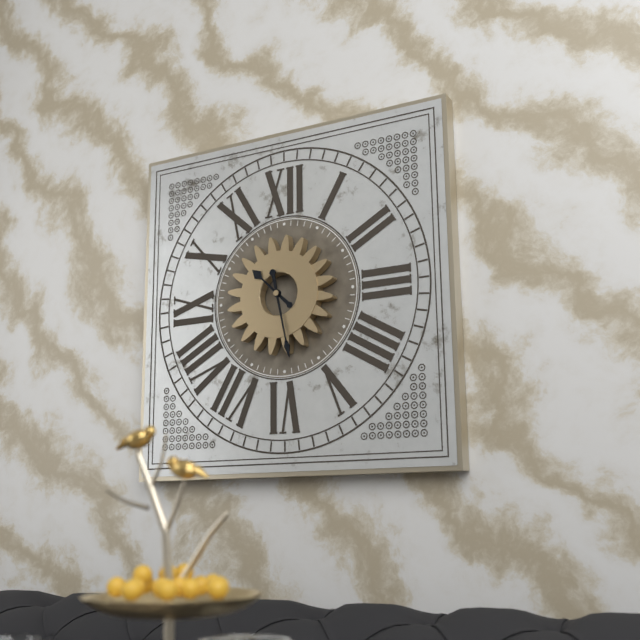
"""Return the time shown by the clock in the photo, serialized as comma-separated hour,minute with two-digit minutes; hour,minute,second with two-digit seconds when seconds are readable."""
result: 10,28
